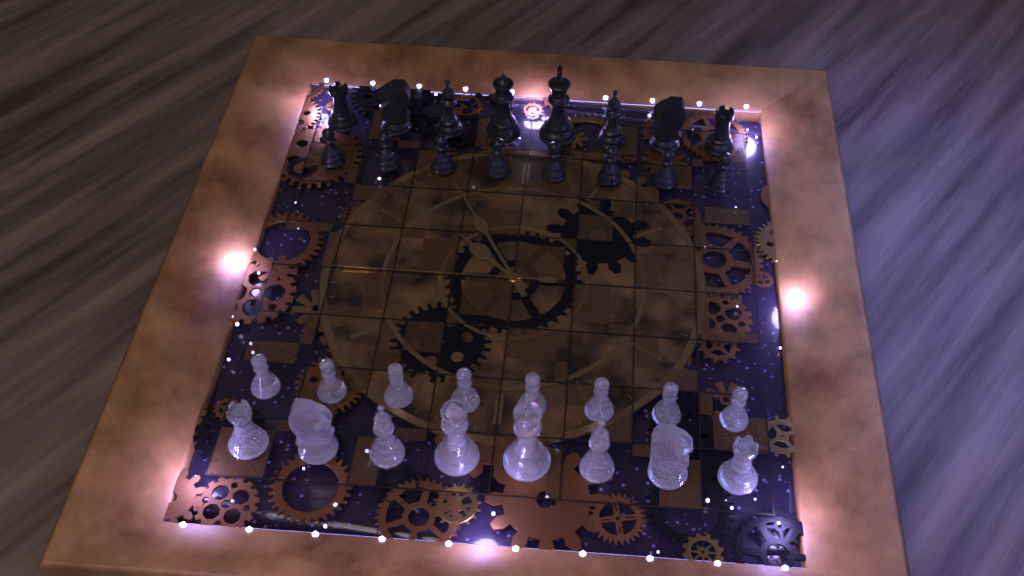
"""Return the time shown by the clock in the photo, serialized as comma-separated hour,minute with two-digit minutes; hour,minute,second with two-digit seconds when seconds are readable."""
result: 4,25,15
